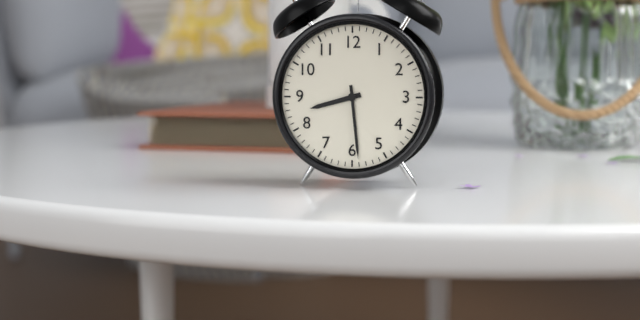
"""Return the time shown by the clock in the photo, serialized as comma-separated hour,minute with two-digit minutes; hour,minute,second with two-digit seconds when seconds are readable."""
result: 8,29
